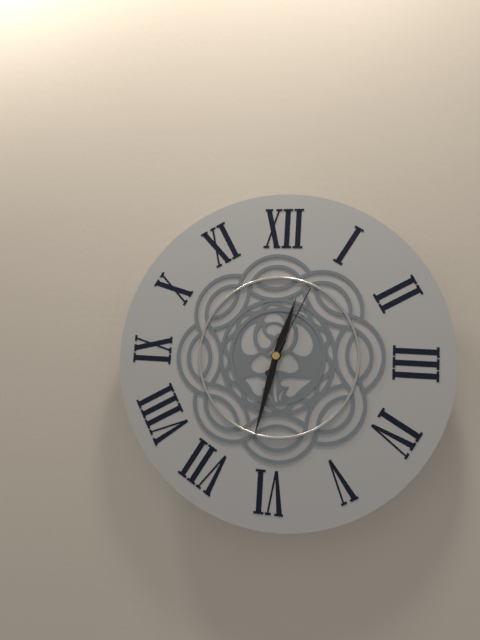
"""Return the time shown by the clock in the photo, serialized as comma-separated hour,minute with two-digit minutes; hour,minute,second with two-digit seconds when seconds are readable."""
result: 12,32,04
